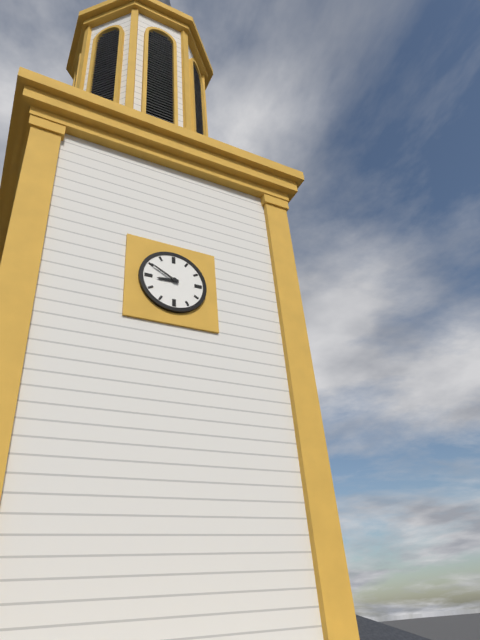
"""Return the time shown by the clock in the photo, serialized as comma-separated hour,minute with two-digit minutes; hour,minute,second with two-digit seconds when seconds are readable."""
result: 8,50
